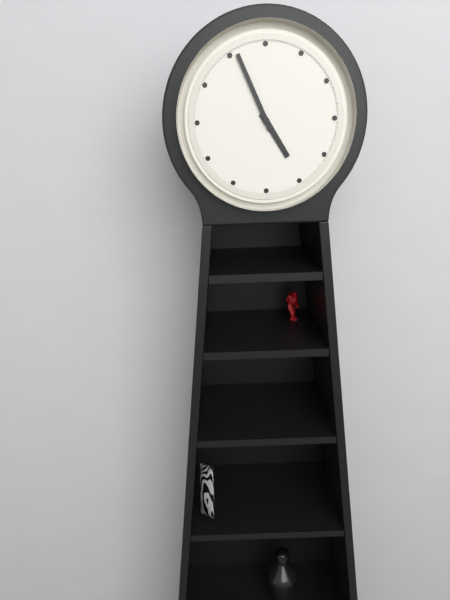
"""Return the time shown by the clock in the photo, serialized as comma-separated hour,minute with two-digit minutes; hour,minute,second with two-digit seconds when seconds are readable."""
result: 4,56
